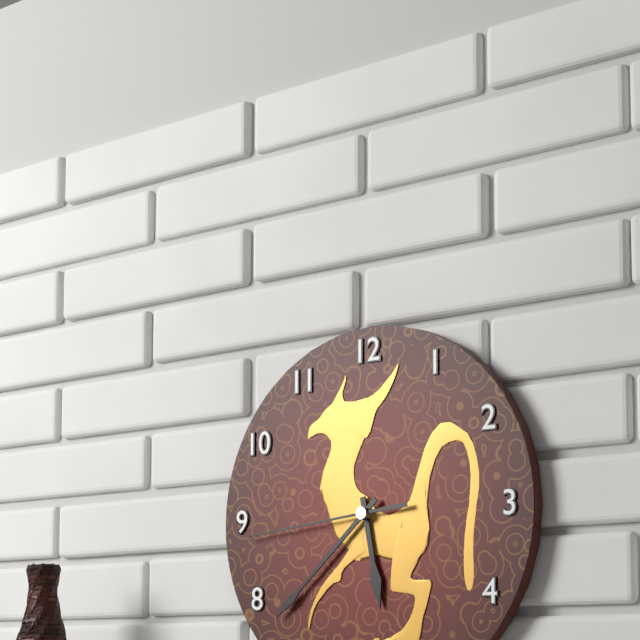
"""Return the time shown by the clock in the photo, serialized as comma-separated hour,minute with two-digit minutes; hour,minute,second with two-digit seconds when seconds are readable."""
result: 5,38,44
